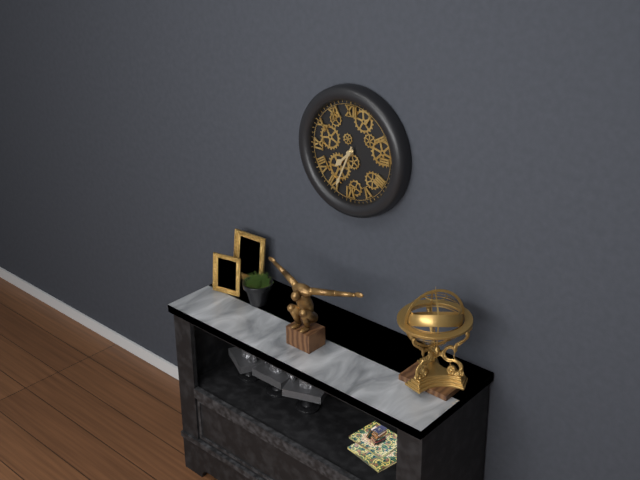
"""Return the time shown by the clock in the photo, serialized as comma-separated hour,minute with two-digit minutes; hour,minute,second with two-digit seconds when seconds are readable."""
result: 7,34
